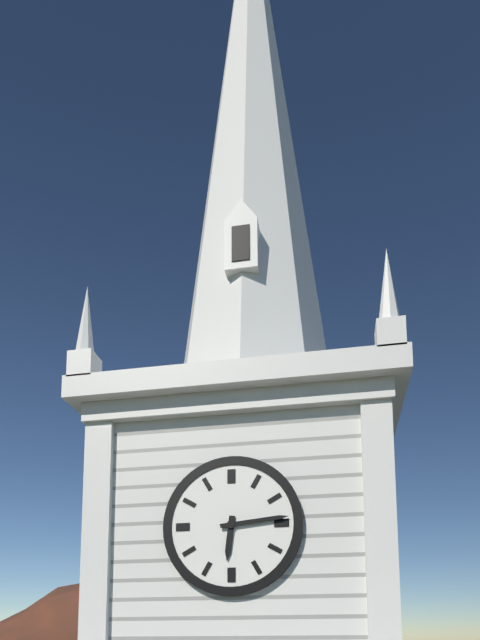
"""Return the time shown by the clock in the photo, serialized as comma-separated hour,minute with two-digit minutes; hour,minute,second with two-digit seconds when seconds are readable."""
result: 6,14
